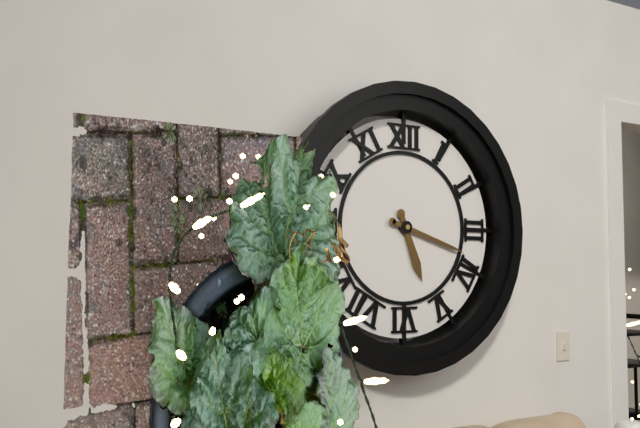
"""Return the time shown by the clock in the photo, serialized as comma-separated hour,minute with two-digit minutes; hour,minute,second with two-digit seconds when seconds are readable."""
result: 5,18
